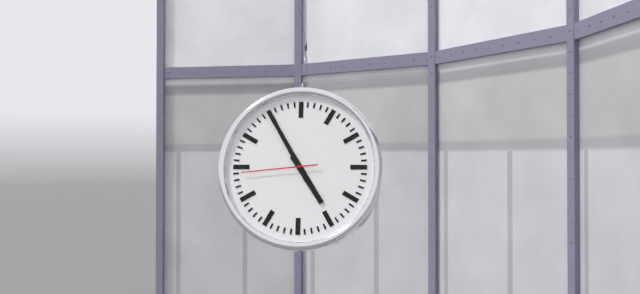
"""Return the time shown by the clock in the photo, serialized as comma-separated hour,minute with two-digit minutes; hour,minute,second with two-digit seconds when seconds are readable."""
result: 4,55,44
